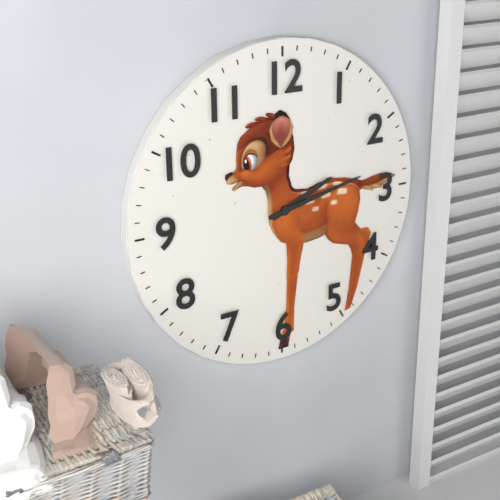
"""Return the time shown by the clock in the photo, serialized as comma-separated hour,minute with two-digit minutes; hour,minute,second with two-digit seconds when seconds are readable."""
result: 2,13
